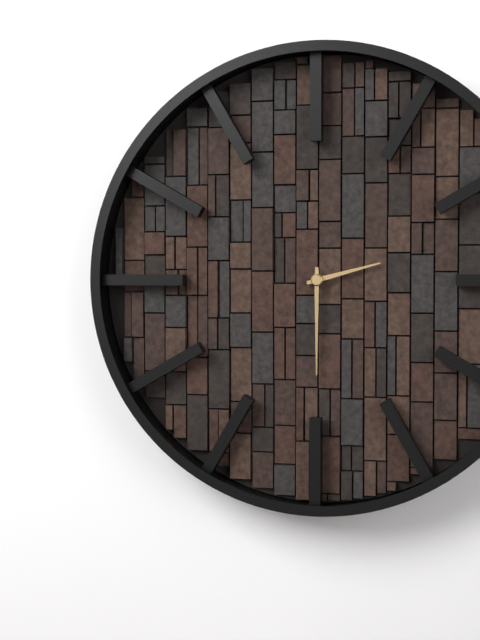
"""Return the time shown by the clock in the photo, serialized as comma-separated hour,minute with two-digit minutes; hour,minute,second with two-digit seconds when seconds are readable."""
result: 2,30
